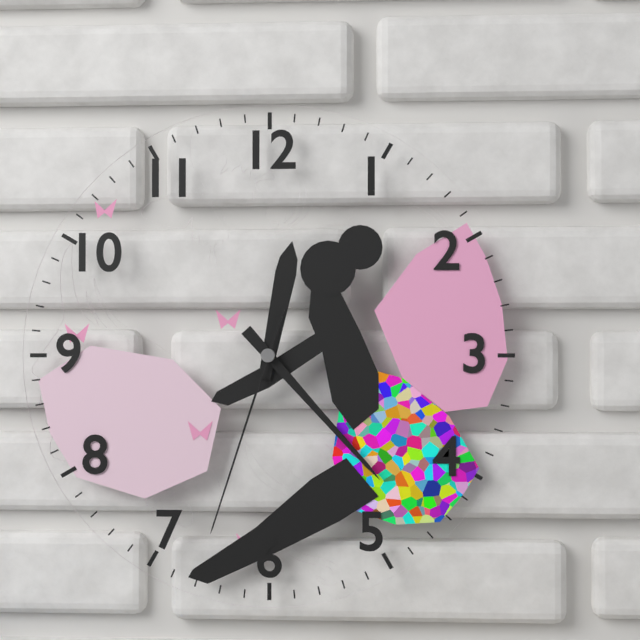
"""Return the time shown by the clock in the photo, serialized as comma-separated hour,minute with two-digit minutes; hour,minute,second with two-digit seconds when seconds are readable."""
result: 12,23,33
